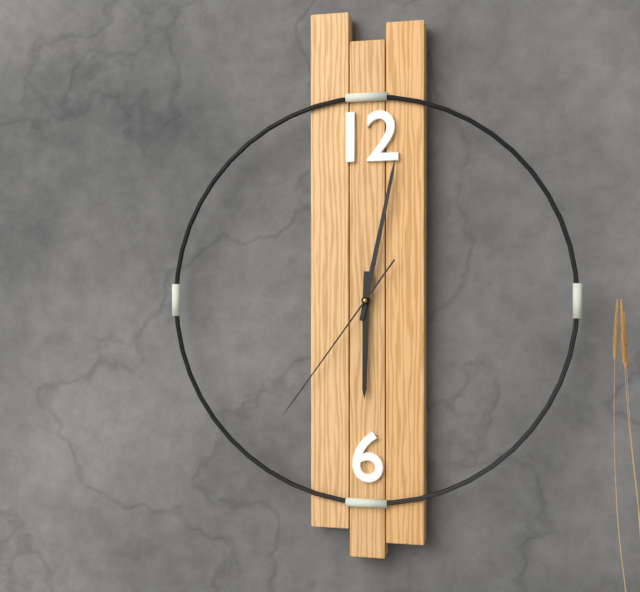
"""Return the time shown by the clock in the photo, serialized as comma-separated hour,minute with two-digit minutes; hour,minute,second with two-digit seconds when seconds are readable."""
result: 6,02,36
